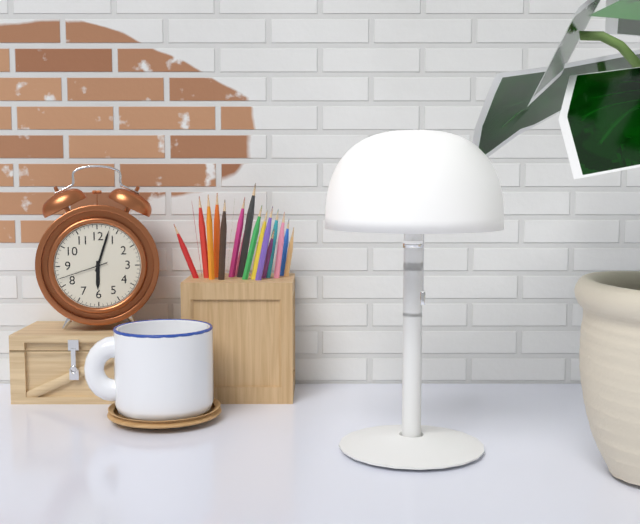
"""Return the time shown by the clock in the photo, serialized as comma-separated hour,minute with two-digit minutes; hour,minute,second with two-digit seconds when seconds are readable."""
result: 6,03,42
